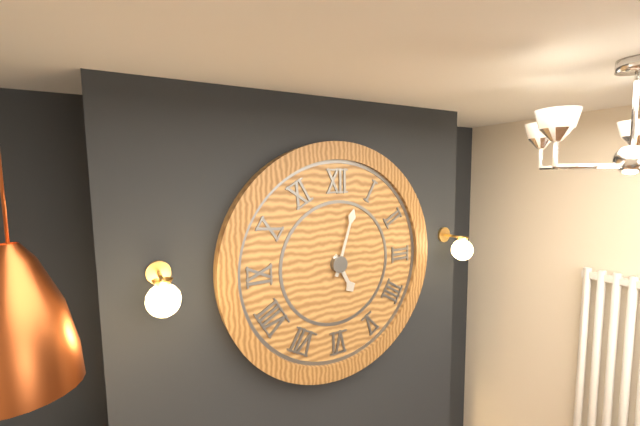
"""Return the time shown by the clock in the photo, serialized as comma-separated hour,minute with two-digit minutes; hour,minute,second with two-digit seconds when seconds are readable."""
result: 5,03
